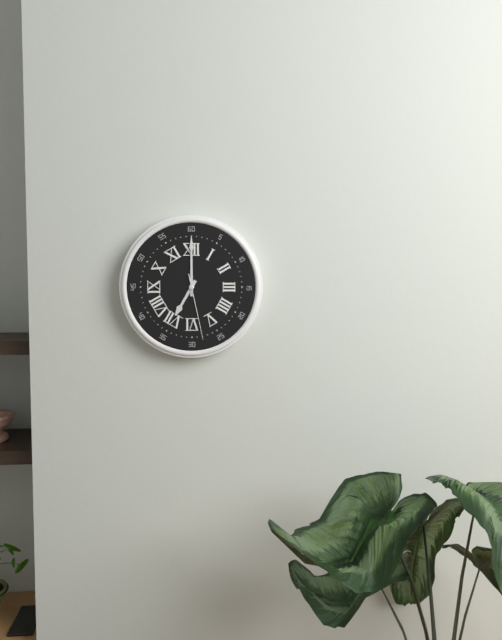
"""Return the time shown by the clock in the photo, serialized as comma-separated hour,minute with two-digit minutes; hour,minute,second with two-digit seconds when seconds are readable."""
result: 7,00,28
